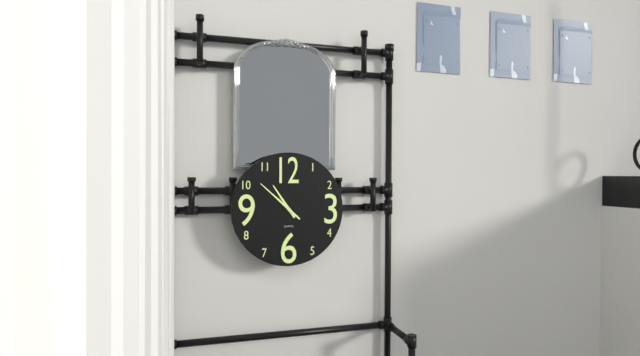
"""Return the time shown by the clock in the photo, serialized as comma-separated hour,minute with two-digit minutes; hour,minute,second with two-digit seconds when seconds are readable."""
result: 10,52
